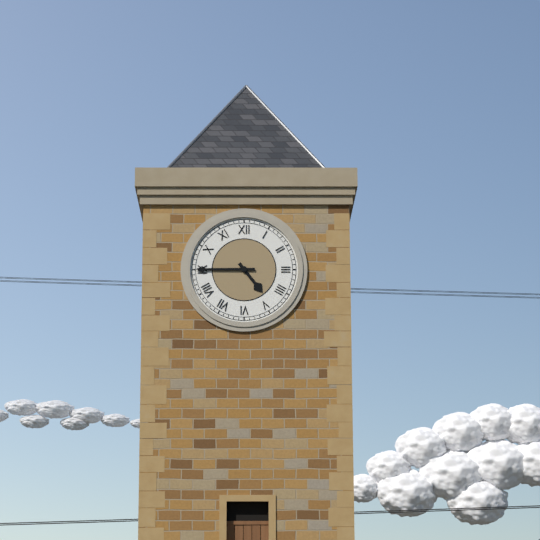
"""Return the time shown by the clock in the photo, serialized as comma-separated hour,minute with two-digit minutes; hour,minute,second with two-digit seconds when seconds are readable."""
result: 4,45
